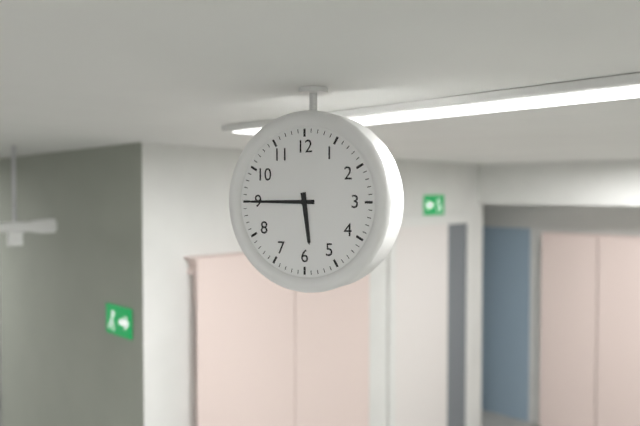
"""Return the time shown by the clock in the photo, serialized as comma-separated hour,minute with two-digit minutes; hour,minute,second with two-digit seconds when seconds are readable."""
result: 5,45
